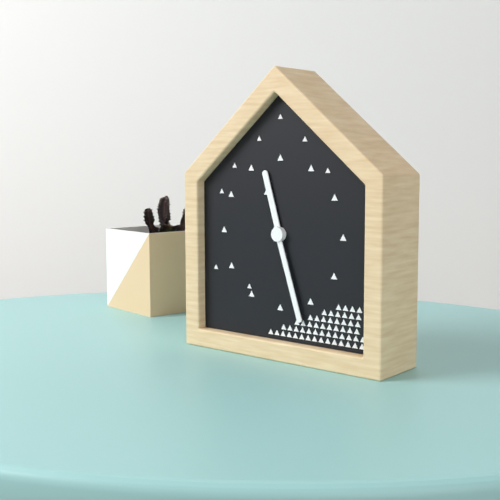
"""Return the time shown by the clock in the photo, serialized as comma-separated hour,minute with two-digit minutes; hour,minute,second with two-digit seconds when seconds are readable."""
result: 11,27
